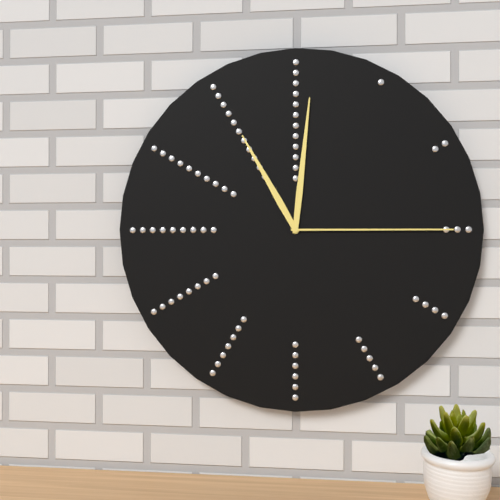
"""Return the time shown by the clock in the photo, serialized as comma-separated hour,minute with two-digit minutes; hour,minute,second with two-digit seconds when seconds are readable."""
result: 11,01,15
